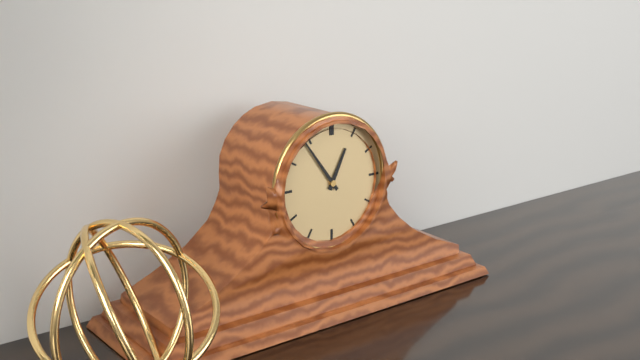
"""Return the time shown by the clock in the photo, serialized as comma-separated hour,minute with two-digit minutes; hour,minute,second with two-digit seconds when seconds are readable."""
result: 12,54
